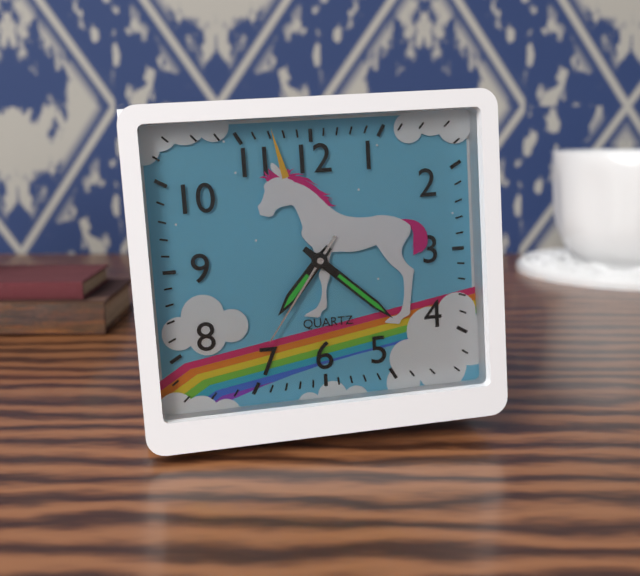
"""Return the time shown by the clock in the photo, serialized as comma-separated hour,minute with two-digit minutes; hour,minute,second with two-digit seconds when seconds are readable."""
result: 7,22,36
